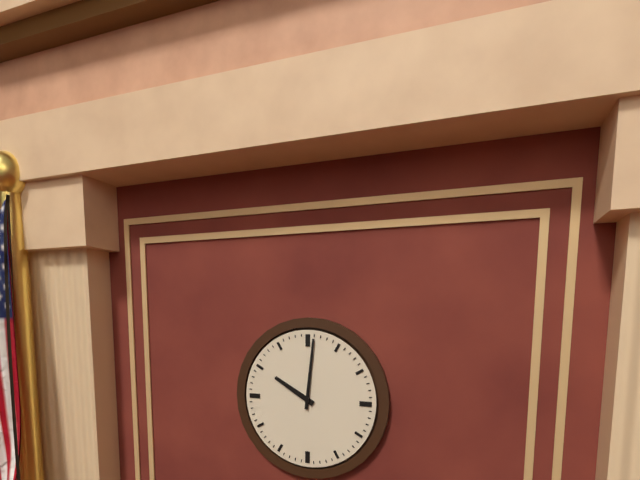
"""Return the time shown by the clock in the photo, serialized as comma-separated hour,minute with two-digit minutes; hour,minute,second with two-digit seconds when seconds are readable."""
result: 10,01
